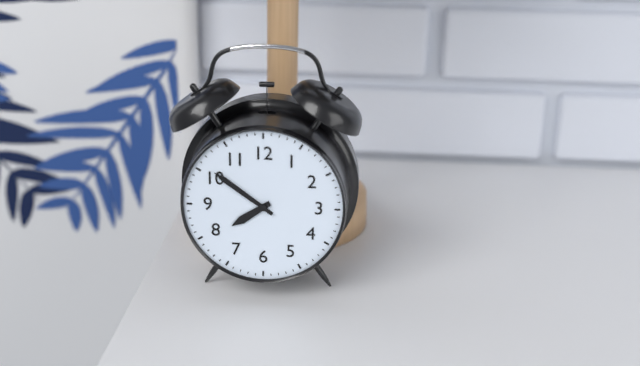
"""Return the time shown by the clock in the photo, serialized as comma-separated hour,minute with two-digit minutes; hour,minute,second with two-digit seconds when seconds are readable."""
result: 7,51
